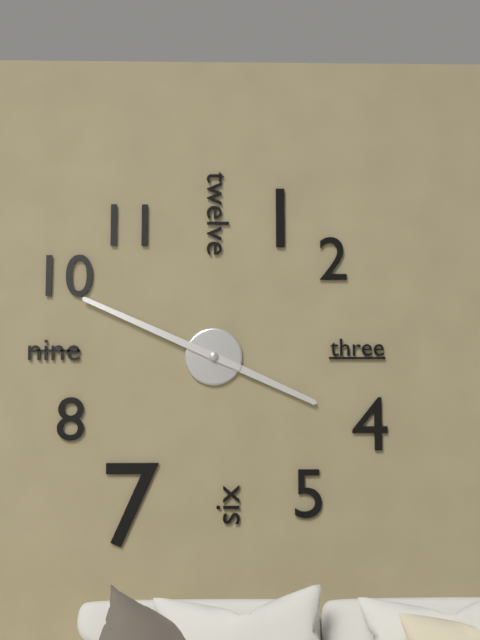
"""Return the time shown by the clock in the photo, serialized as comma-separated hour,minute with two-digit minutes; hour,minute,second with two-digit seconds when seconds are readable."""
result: 3,49
